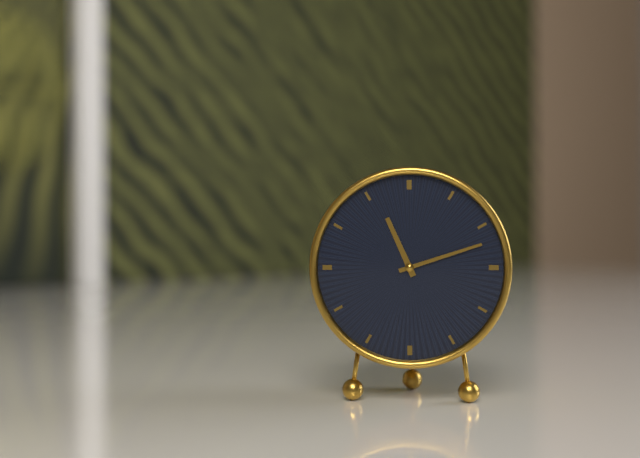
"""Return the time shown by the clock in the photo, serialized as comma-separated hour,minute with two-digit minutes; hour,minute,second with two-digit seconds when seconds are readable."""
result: 11,12
